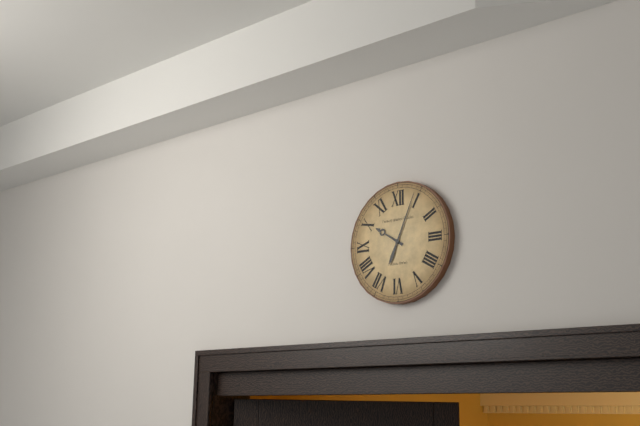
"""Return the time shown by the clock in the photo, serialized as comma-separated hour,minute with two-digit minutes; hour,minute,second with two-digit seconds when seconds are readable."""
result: 10,04
